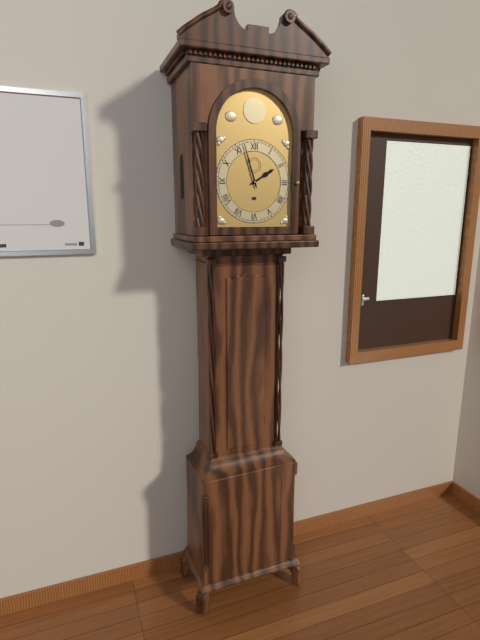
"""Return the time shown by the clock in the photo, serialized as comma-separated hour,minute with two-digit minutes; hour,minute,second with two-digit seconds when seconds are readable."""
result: 1,57
